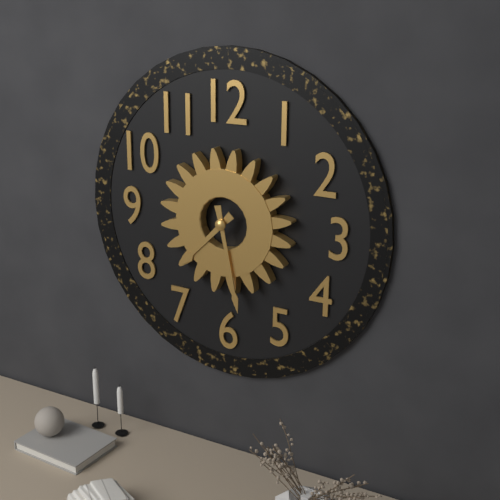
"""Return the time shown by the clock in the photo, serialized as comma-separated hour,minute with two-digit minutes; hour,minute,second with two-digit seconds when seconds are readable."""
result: 7,28
